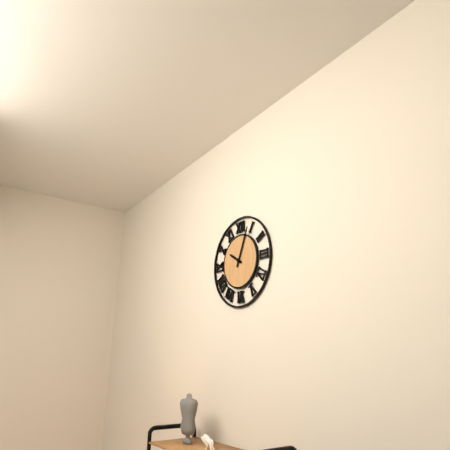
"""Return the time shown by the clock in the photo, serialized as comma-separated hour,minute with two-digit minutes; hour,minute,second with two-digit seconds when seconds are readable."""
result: 10,04
